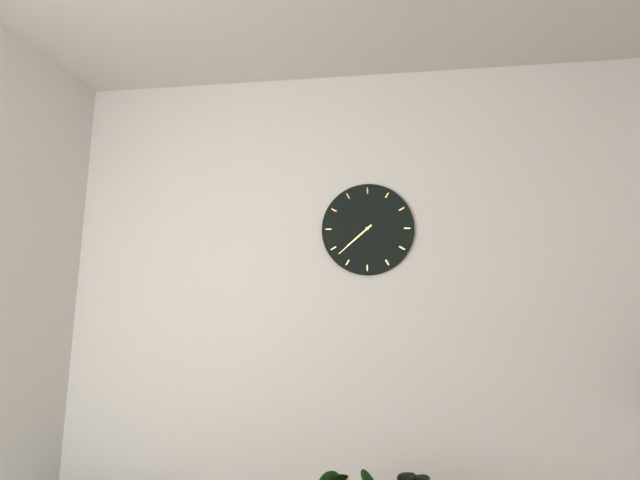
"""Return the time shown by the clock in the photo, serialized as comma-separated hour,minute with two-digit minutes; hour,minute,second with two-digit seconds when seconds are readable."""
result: 7,38
